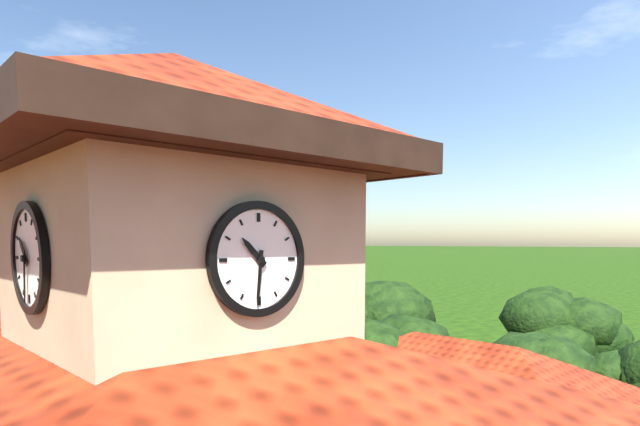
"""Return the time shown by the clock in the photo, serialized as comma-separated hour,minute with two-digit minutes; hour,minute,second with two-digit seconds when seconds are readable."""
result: 10,31
